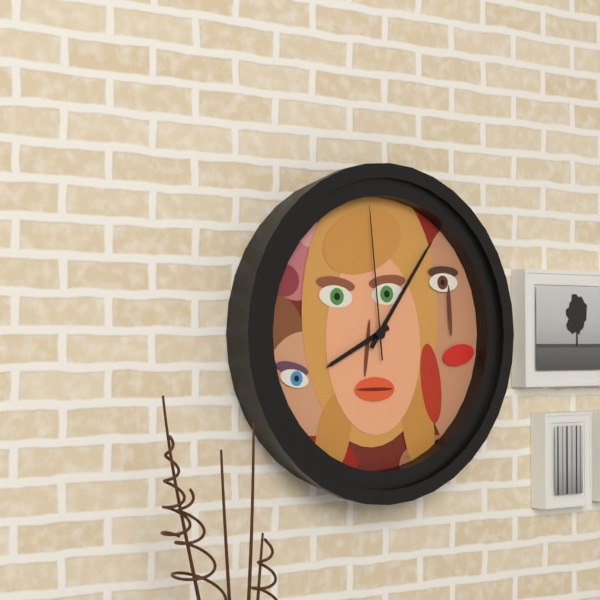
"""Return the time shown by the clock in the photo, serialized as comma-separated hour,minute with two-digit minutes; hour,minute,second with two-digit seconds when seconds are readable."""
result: 8,06,59
